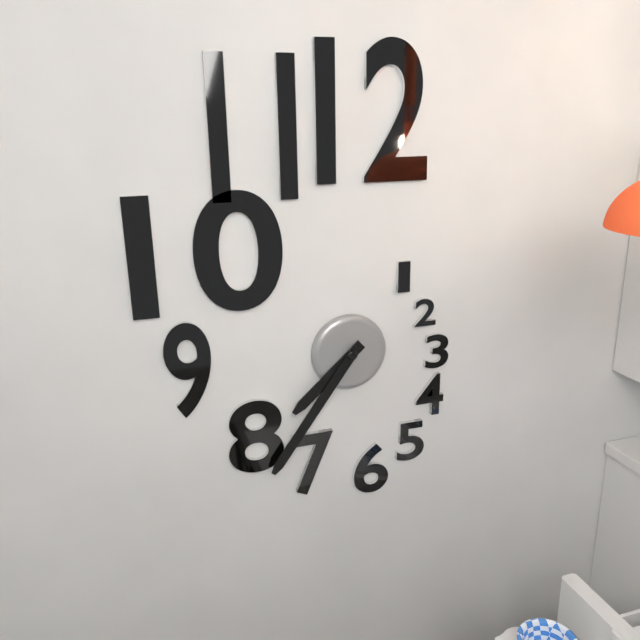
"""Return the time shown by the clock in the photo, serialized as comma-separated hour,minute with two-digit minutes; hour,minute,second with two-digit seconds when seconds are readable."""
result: 7,36
